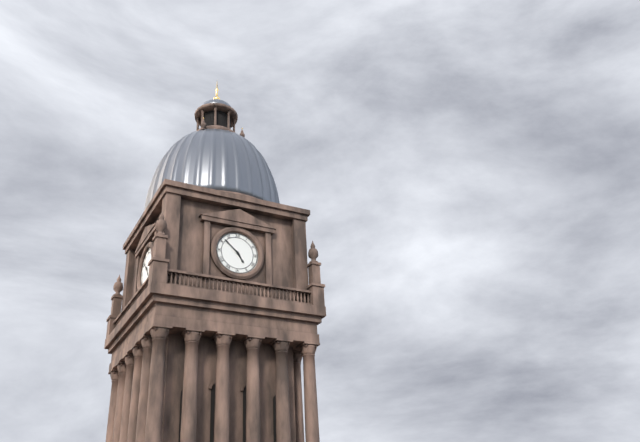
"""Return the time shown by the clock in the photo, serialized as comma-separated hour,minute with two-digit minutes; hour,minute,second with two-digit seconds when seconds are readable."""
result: 4,52
